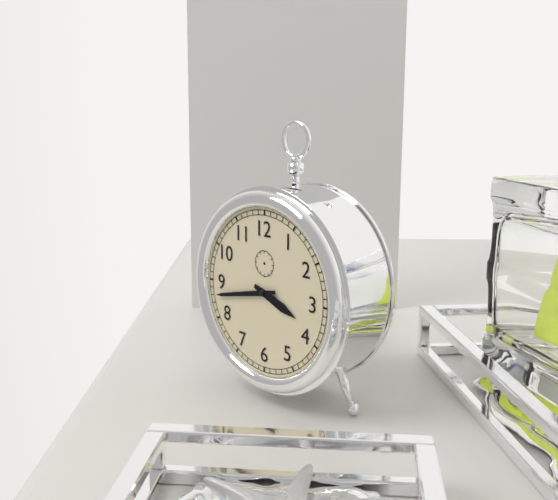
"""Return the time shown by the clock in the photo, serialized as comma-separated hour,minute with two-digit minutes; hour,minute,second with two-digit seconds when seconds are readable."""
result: 3,43
